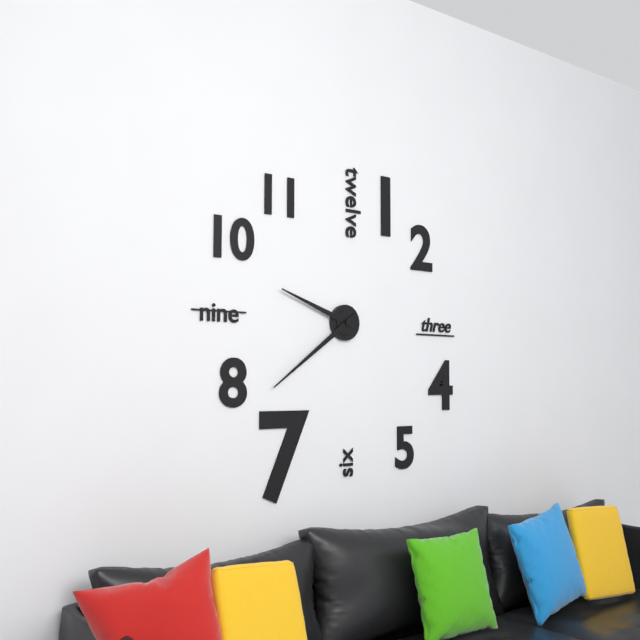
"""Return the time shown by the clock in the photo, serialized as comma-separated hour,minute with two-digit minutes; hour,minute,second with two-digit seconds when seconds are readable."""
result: 9,39
